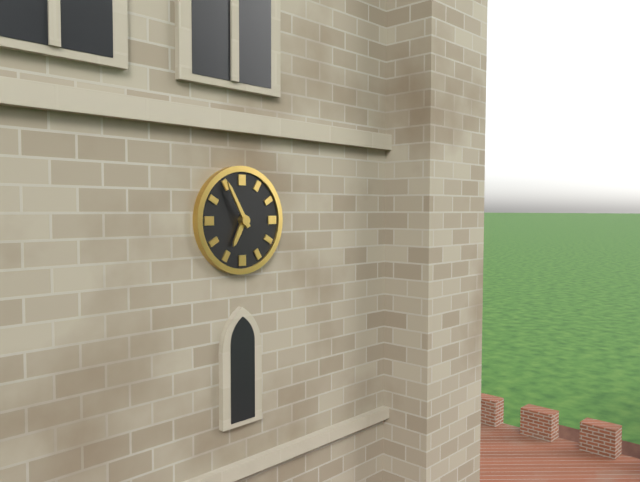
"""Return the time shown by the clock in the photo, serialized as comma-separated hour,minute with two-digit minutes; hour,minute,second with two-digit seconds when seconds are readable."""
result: 6,55
